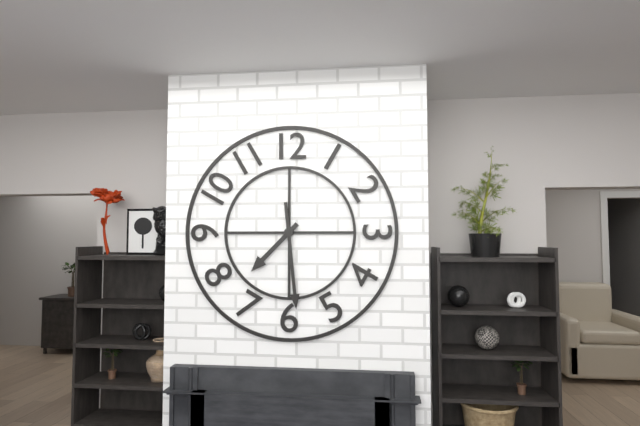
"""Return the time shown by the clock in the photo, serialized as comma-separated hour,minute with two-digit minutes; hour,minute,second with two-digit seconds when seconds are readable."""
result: 7,29
